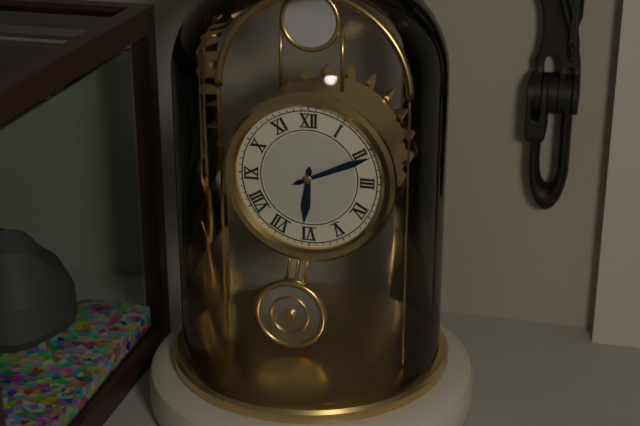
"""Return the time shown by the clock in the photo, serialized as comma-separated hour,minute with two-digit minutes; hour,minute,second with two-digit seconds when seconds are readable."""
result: 6,11
